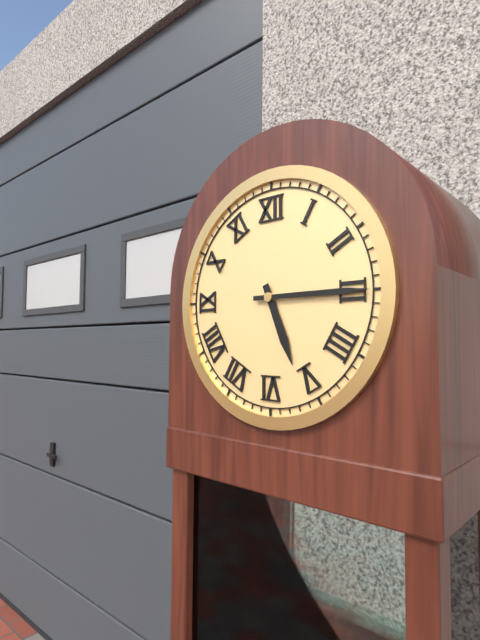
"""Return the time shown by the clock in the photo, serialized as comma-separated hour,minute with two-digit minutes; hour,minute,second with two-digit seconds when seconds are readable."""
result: 5,15
